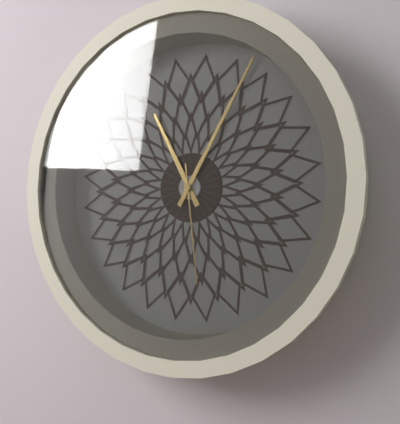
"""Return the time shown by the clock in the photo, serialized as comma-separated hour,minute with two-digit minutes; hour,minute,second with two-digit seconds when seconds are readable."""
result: 11,05,29
